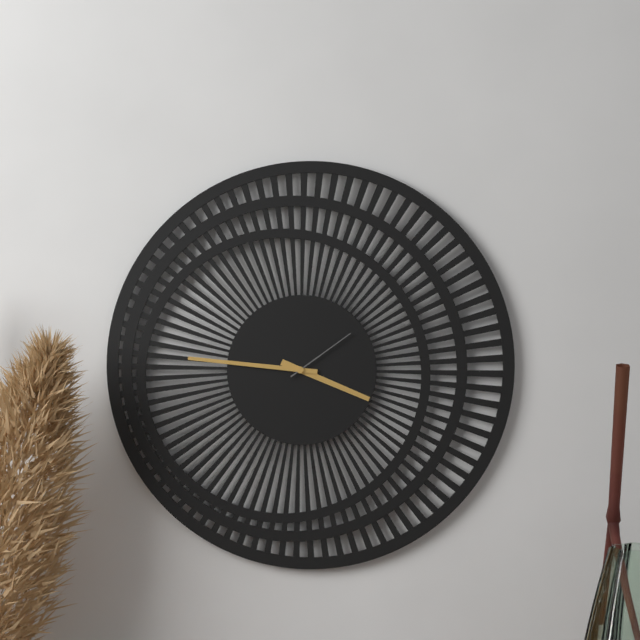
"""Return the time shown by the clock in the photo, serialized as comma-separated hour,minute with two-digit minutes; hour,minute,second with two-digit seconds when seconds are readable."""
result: 3,46,09
